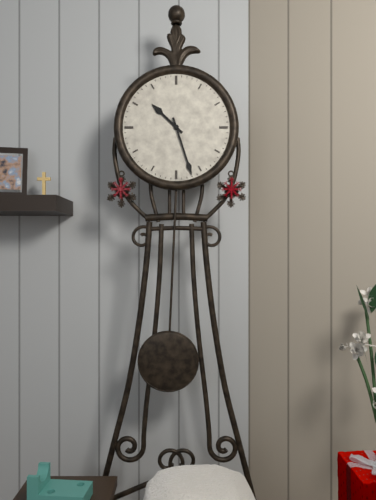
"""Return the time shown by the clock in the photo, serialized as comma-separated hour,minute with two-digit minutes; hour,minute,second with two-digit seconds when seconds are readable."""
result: 10,27
